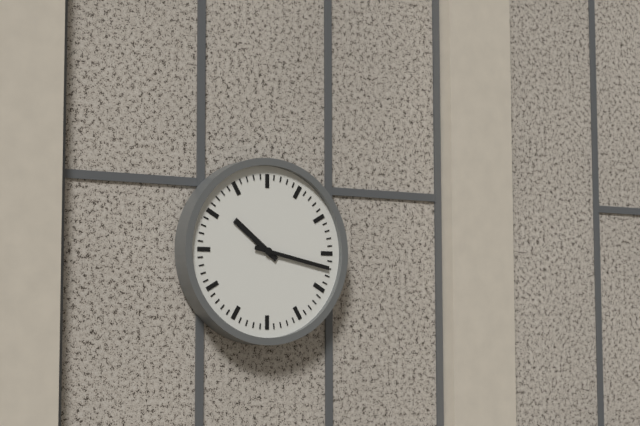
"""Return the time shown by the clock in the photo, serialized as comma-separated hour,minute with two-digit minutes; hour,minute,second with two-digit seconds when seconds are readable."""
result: 10,17
